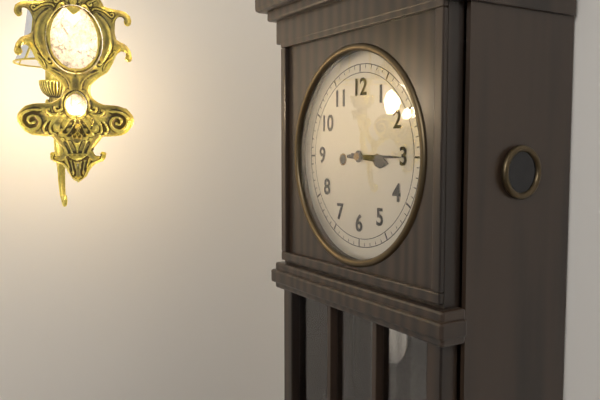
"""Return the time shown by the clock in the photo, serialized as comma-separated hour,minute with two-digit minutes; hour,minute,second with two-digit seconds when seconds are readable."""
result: 3,15
